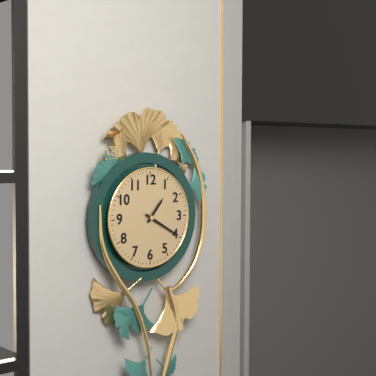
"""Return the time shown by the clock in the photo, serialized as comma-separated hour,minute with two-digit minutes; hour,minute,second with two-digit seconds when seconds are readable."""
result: 1,20
